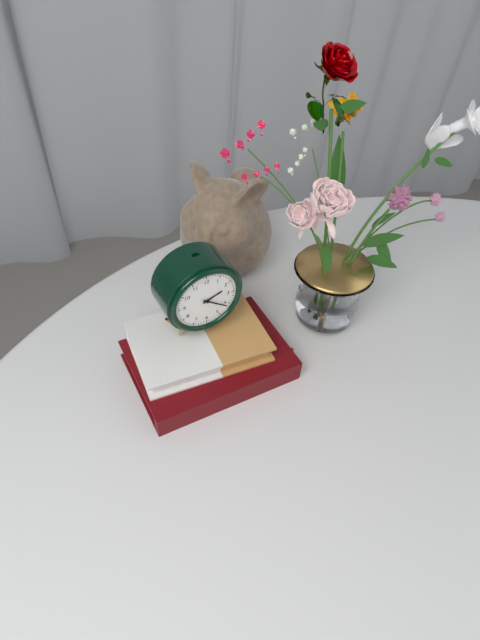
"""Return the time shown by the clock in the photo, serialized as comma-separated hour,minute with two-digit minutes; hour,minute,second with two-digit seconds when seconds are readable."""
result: 2,21
